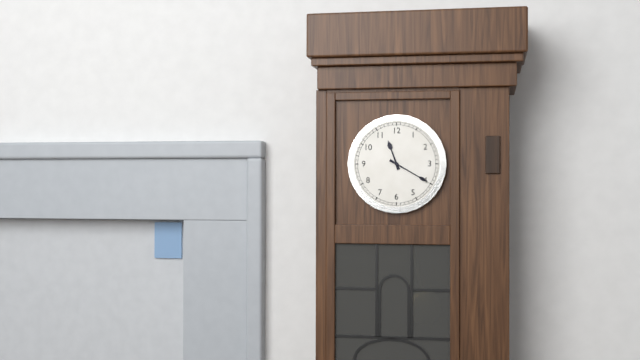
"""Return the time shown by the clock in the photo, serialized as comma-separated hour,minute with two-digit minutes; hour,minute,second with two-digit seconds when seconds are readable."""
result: 11,20
